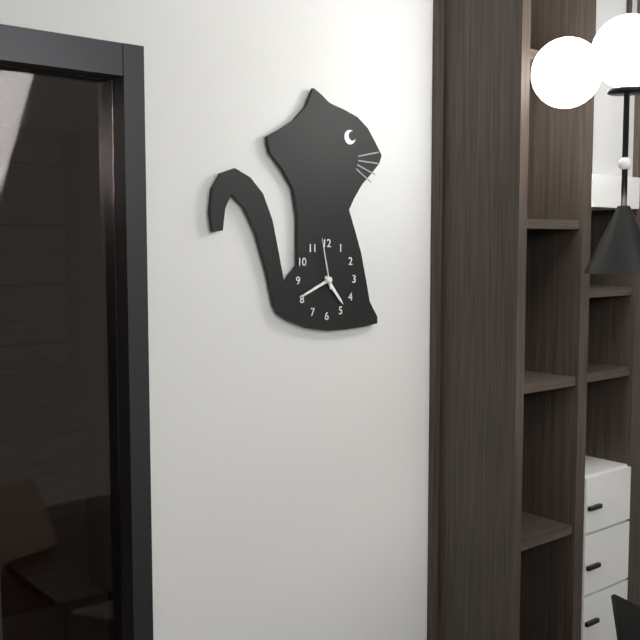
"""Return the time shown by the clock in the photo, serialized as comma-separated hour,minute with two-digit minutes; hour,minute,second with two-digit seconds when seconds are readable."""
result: 4,41,58
